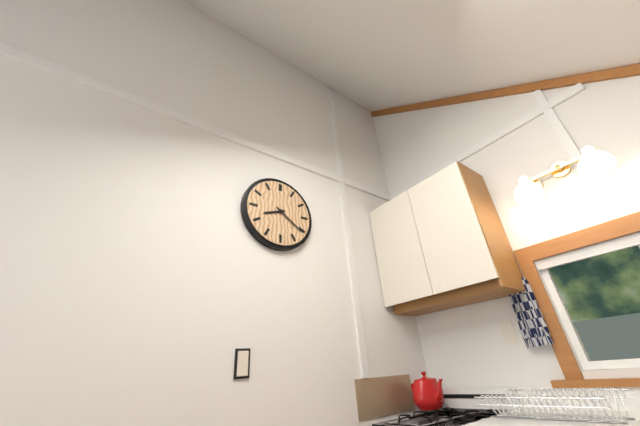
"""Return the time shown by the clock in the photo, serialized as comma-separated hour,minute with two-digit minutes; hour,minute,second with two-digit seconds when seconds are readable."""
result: 8,21
